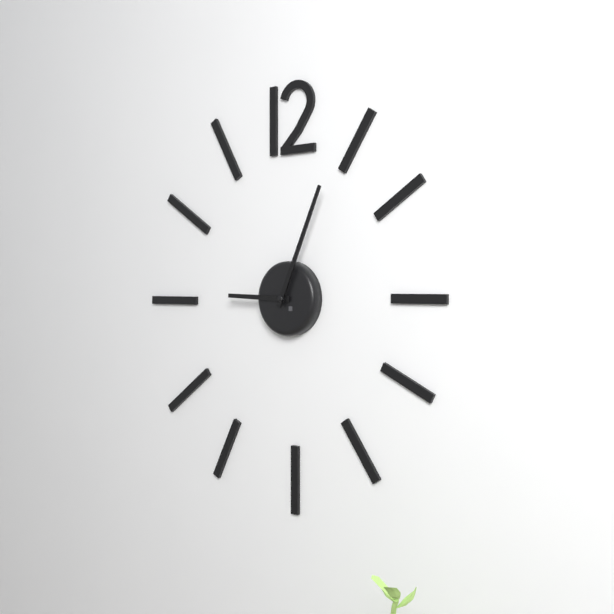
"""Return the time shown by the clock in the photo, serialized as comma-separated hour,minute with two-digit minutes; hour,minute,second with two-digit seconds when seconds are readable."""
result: 9,04
